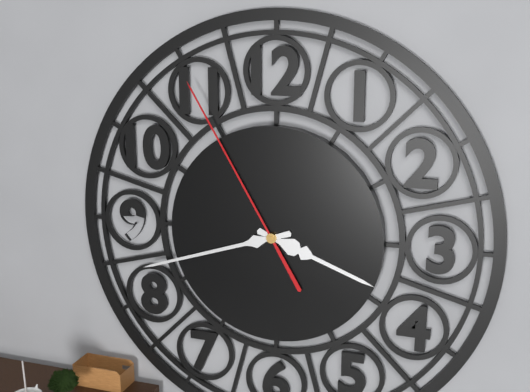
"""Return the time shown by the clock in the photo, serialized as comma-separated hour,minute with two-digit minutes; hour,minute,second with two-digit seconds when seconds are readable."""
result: 3,42,55
